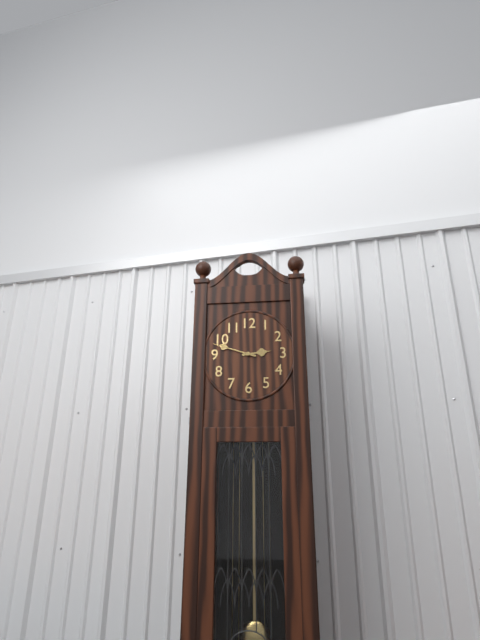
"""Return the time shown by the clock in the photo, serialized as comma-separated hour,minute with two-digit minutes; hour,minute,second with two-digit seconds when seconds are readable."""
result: 2,48
